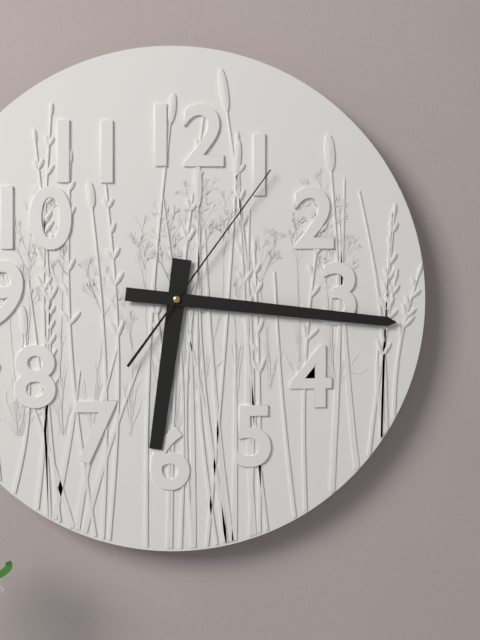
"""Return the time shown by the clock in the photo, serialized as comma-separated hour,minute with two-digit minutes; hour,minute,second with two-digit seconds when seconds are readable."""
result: 6,16,06
